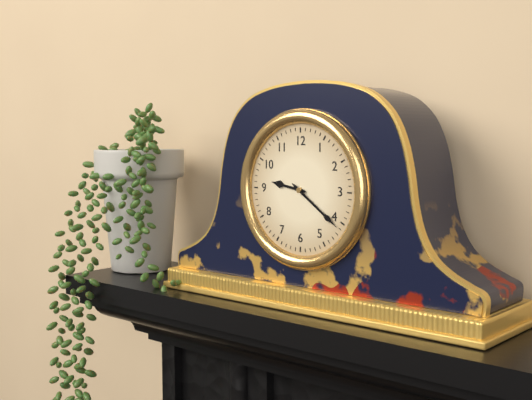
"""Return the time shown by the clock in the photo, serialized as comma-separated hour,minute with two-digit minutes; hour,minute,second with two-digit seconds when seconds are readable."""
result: 9,21
